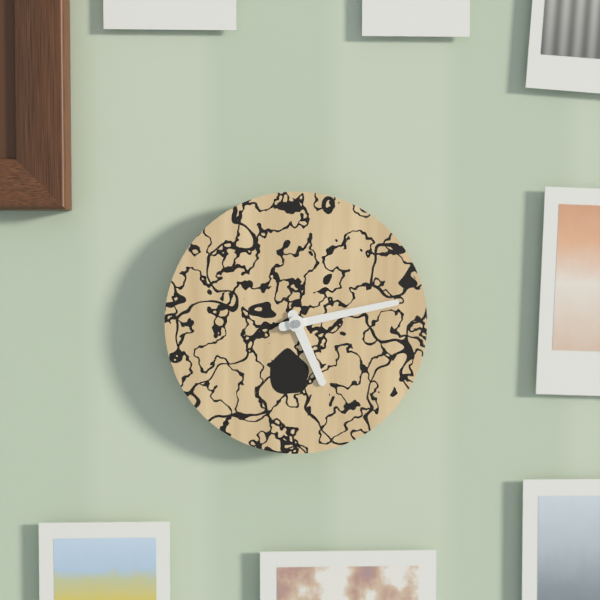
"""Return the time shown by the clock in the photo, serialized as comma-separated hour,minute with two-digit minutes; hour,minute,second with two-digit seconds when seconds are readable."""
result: 5,13
